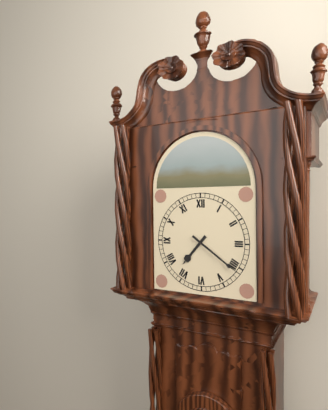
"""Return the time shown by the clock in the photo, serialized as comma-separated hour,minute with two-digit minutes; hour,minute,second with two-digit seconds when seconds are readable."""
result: 7,21
